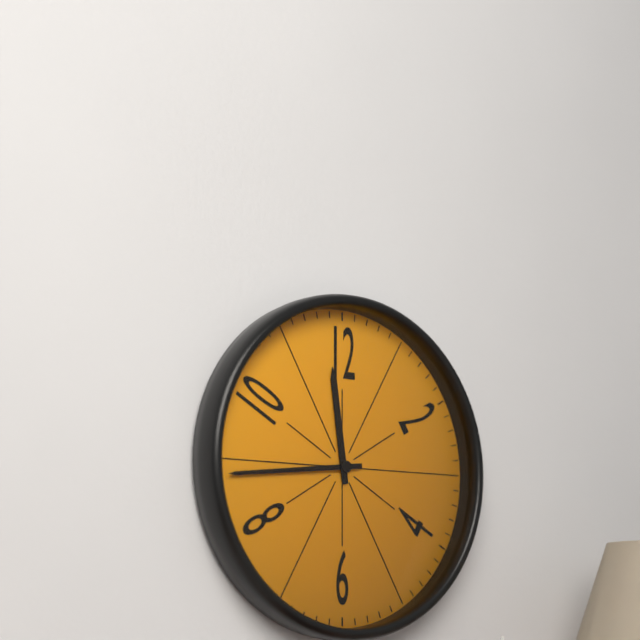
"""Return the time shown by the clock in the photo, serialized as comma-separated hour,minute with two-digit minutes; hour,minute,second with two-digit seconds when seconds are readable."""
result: 11,44
